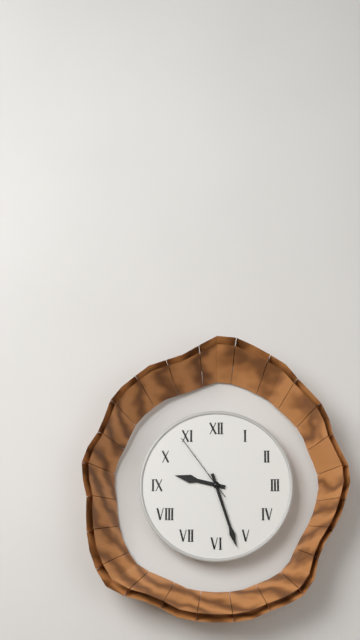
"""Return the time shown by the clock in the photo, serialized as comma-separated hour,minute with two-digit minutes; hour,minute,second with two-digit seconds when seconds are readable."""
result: 9,27,54
